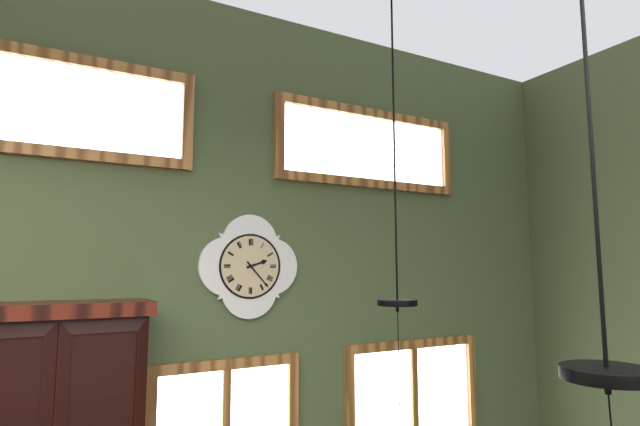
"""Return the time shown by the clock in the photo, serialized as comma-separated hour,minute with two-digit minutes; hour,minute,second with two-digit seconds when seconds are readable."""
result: 2,23
